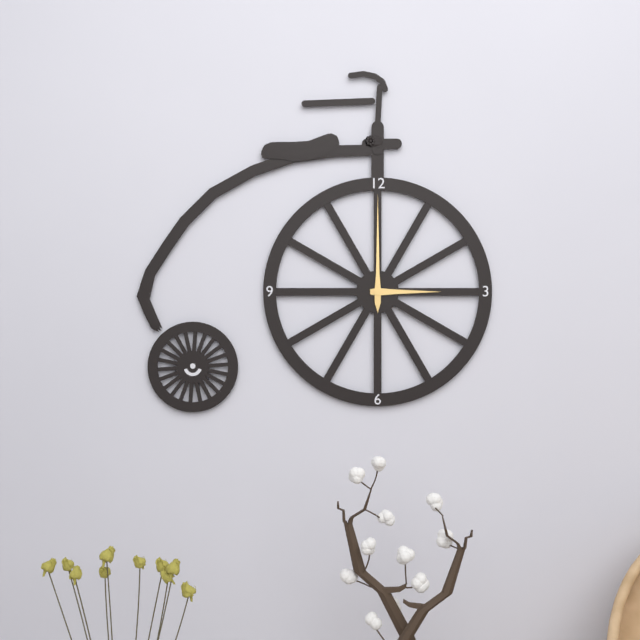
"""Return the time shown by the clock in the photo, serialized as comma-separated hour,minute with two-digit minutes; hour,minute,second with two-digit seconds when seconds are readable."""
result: 3,00
